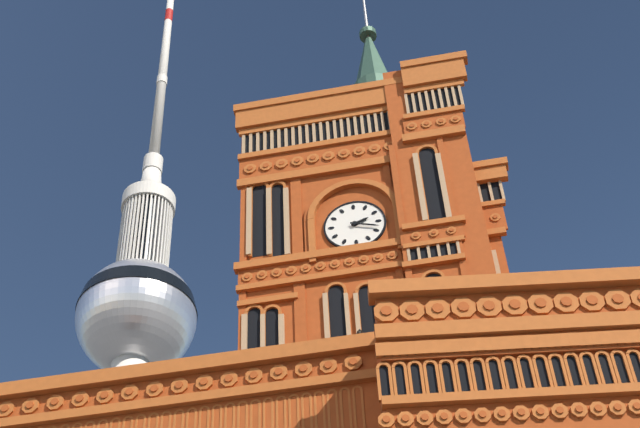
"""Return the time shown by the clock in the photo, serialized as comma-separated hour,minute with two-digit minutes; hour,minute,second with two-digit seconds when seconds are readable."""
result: 2,18
